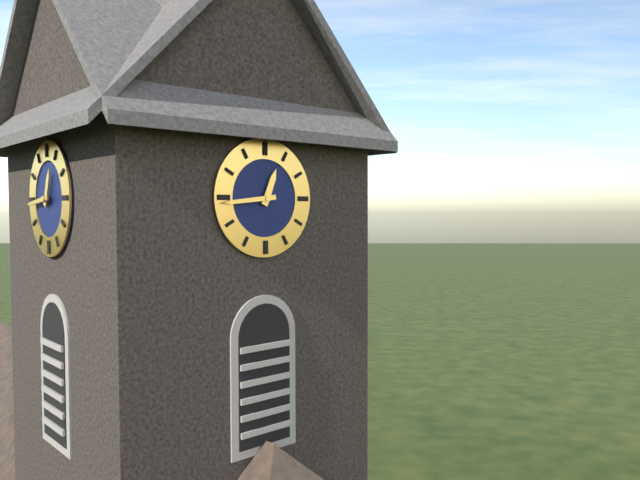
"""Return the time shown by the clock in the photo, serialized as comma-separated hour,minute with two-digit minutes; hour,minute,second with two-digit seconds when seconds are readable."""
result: 12,44
